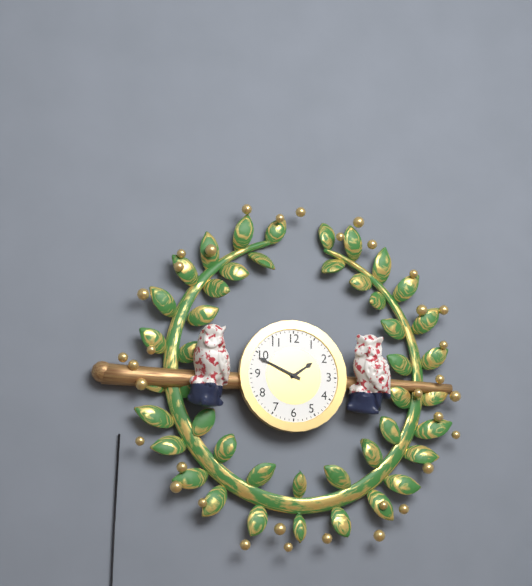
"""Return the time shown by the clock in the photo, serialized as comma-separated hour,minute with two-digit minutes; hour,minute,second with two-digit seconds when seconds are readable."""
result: 1,49
